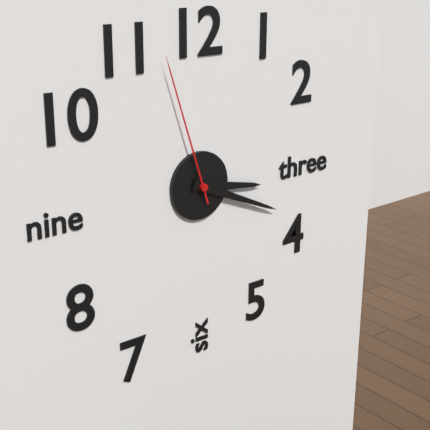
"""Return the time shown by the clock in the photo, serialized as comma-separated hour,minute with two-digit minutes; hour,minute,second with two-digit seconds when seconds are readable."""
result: 3,19,57
